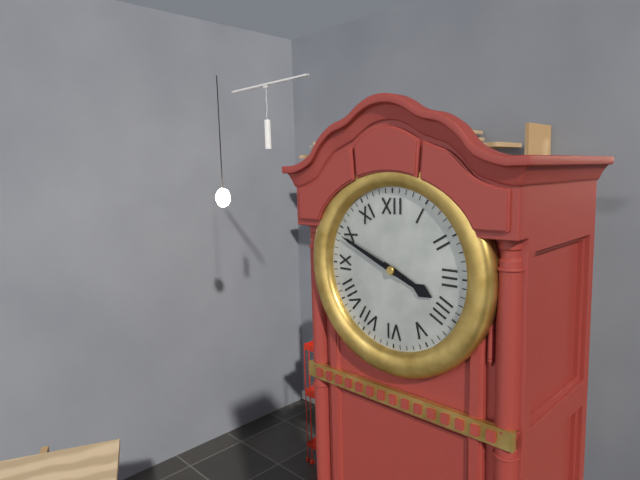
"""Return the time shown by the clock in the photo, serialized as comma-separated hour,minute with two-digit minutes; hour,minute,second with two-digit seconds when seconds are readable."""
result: 3,49
